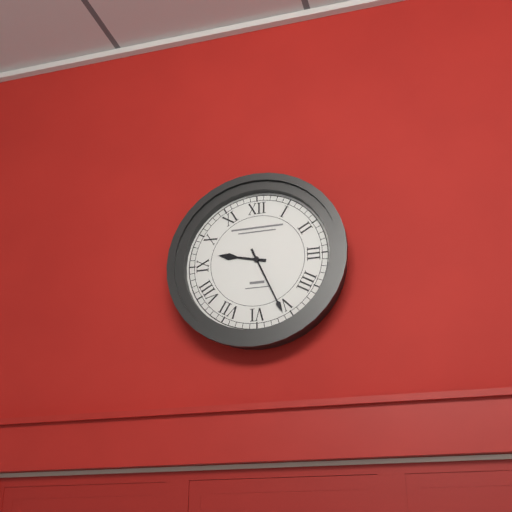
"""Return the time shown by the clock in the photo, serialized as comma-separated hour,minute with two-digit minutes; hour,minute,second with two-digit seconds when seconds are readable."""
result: 9,26
